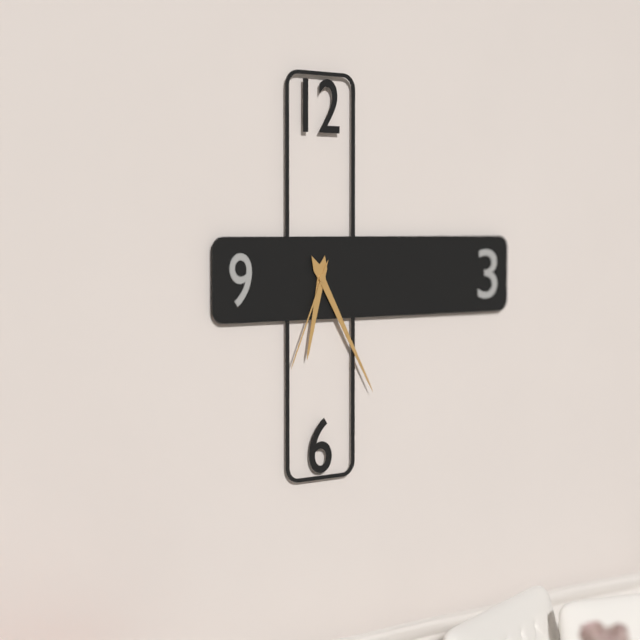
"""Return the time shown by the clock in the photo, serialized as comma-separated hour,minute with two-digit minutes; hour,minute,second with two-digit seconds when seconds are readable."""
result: 6,25,34
